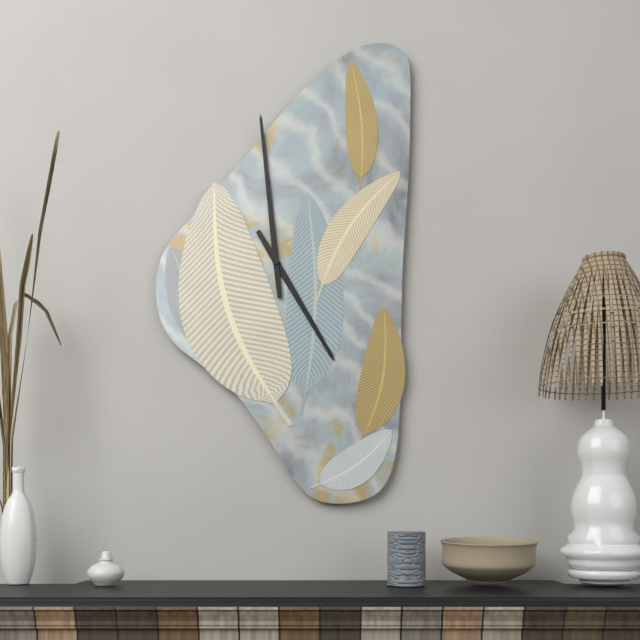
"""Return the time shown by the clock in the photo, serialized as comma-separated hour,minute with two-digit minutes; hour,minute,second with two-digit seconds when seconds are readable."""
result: 4,59
